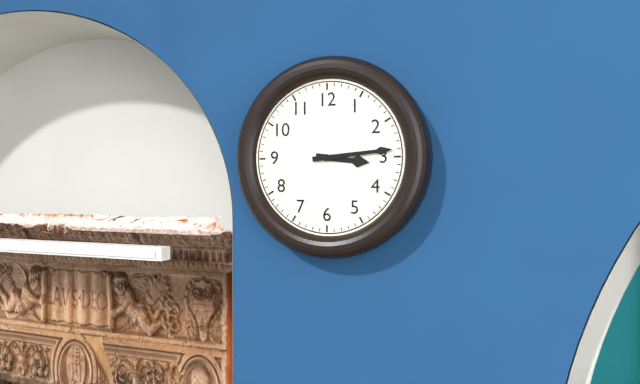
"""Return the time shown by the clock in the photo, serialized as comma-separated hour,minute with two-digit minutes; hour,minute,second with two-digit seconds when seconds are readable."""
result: 3,14
